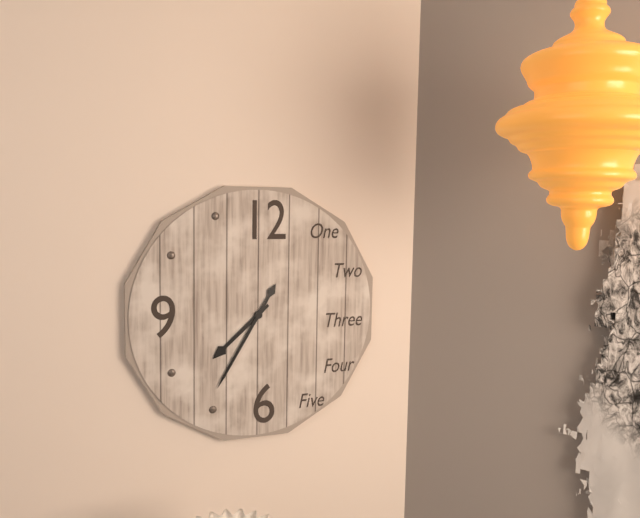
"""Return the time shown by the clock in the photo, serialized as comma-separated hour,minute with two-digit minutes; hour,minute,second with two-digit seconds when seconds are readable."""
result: 7,35
